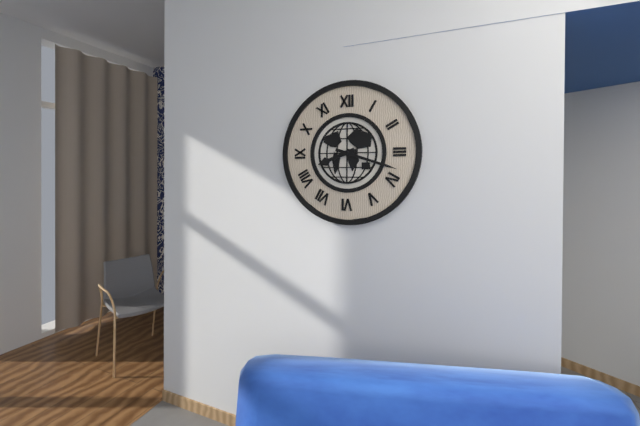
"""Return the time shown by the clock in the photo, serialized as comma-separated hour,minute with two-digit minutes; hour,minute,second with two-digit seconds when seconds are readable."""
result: 8,18
